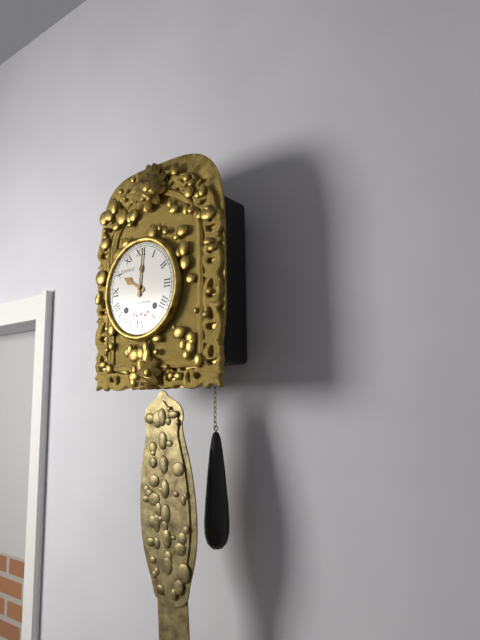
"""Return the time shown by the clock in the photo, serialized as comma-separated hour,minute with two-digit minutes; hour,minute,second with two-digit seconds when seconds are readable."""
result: 10,01
